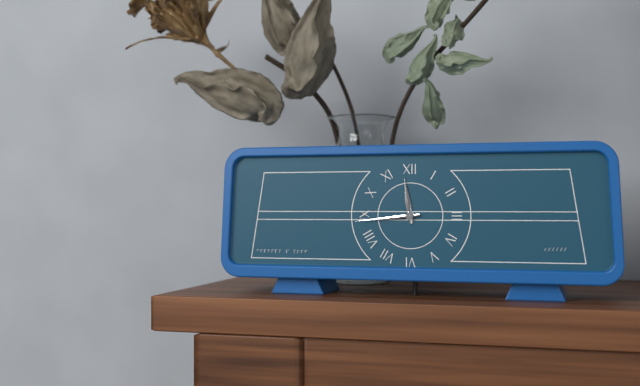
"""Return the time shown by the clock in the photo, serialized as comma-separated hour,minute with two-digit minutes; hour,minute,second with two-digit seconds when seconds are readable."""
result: 11,44
